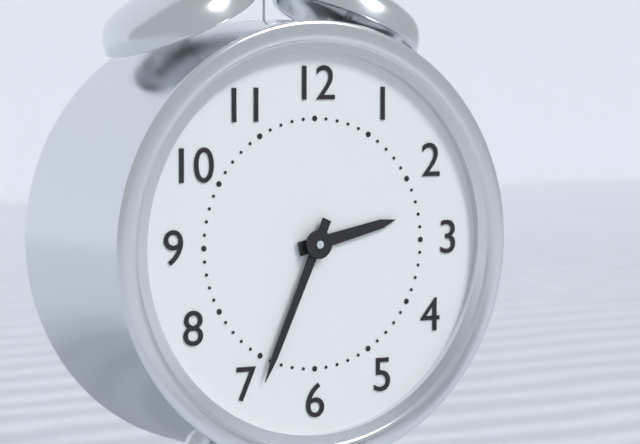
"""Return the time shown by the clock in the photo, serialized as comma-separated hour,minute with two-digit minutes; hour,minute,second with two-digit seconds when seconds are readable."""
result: 2,34
